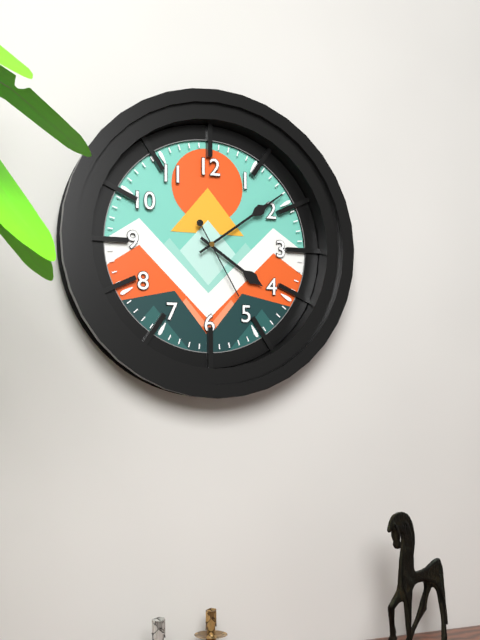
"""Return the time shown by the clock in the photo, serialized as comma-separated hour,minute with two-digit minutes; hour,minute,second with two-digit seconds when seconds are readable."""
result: 4,09,25
